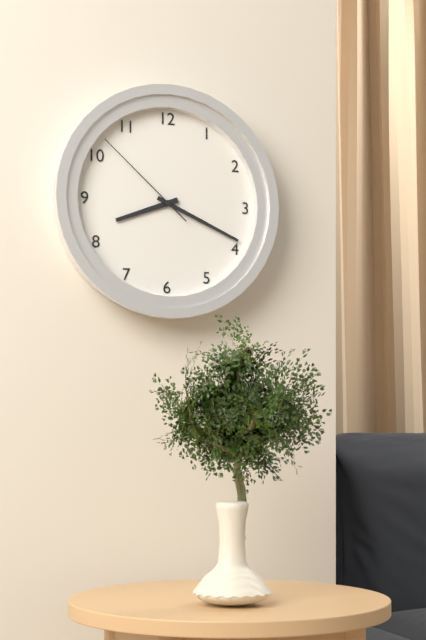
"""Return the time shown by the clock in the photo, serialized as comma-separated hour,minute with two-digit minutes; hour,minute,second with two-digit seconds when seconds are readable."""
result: 8,19,52
